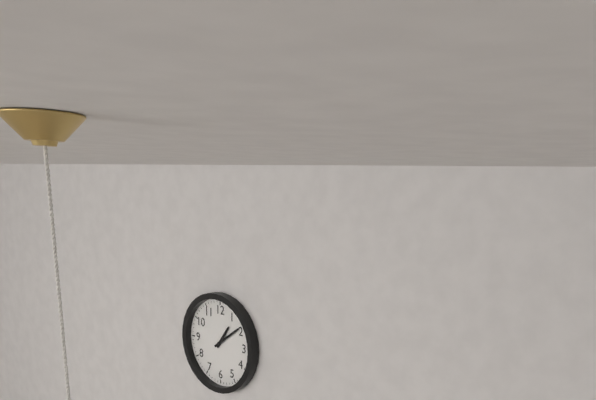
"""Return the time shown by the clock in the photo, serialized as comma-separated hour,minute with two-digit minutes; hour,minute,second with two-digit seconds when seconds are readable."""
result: 1,09
